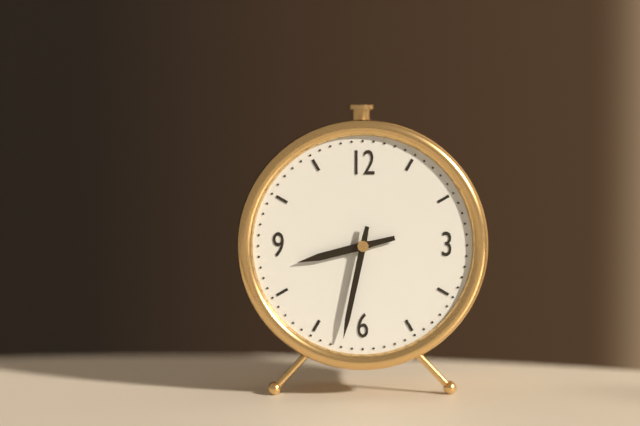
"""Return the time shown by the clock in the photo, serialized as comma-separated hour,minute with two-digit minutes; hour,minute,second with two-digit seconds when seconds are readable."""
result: 8,32
